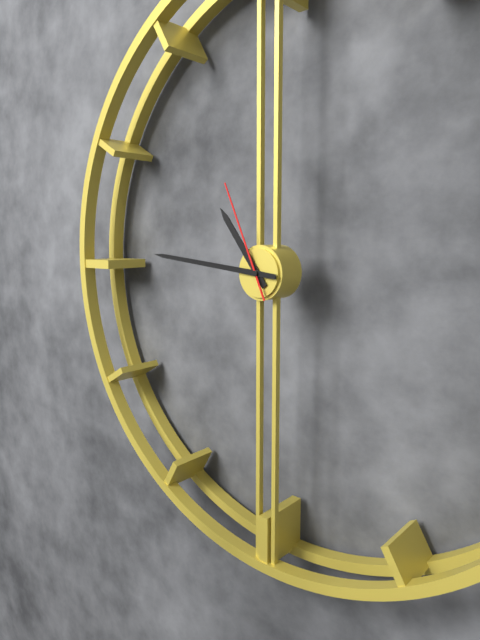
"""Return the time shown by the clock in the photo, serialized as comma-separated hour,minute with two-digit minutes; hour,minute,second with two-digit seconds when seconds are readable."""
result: 10,46,56
